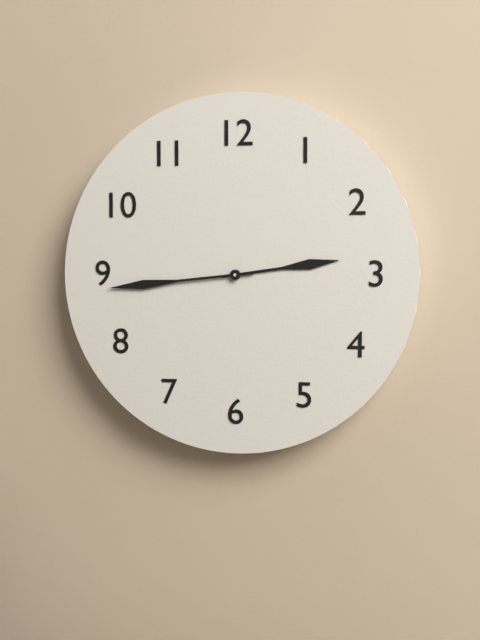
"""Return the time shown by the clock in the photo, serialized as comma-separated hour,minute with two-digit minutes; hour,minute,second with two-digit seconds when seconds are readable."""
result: 2,44
